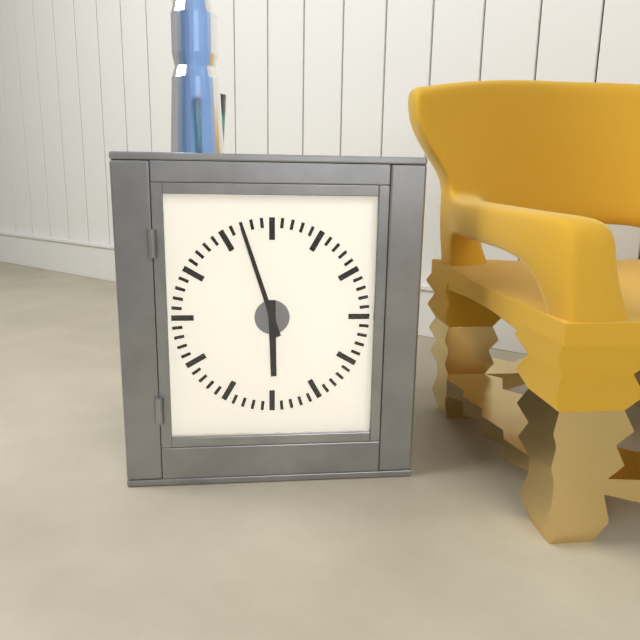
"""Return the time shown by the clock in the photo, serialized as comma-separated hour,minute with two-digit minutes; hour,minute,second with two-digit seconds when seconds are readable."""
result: 5,57
